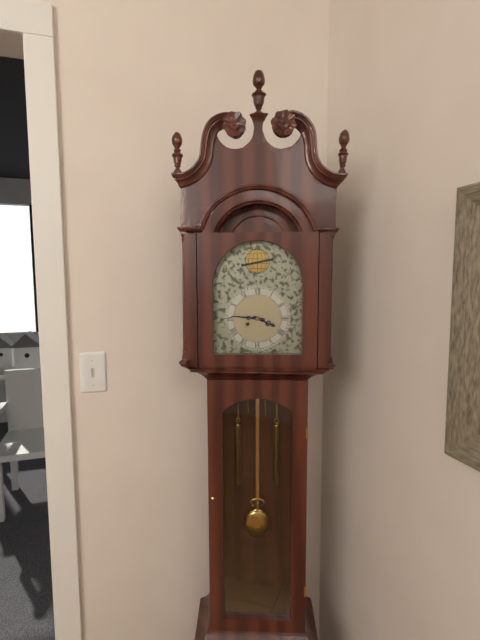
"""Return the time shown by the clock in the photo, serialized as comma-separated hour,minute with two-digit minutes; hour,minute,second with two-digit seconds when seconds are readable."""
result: 3,46
